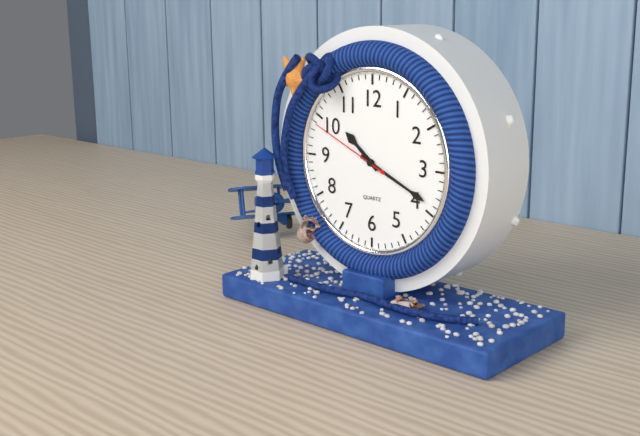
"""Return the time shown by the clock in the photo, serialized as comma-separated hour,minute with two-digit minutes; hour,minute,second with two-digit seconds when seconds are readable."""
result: 10,19,49
